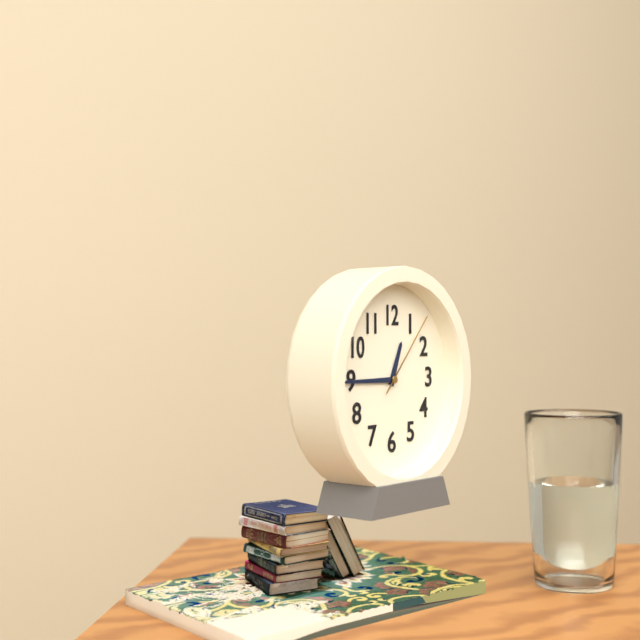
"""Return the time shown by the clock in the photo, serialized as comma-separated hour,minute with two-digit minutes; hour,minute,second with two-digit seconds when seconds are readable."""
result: 12,45,07
